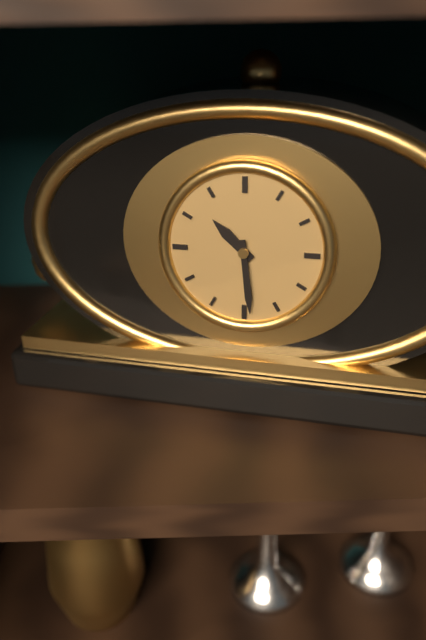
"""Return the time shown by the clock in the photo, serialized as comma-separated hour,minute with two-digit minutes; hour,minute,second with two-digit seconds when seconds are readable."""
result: 10,29
